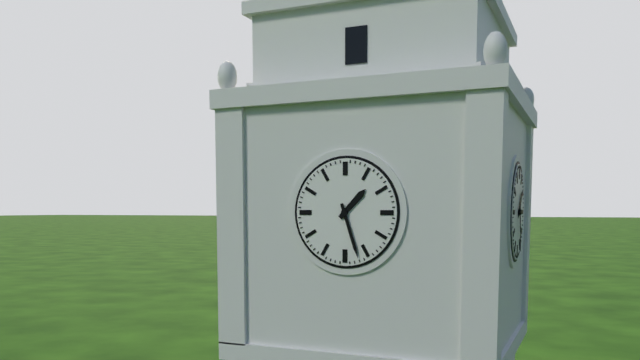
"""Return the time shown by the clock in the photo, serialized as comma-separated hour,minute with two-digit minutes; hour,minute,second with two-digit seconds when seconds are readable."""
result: 1,27
